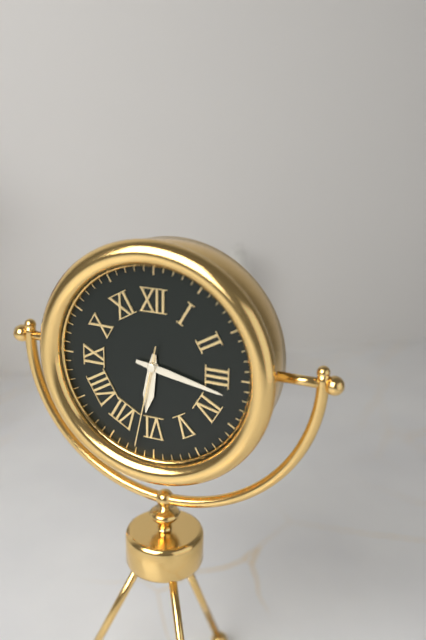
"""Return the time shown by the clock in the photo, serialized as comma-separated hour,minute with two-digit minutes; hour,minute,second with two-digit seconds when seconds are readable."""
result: 6,17,32
